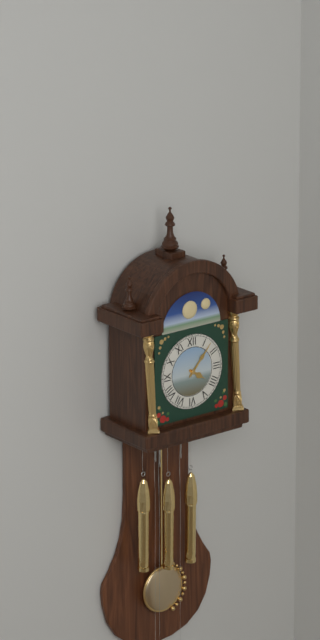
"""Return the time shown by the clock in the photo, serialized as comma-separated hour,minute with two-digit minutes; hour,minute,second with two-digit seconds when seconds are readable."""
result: 4,07
